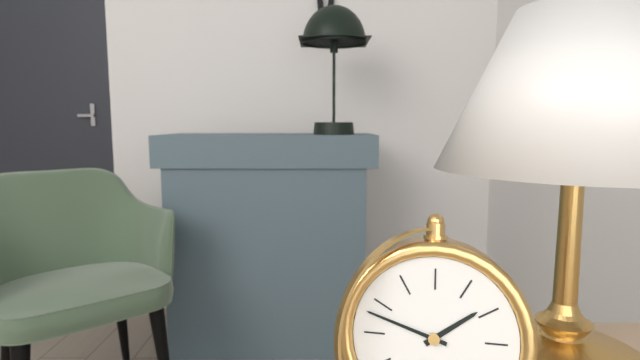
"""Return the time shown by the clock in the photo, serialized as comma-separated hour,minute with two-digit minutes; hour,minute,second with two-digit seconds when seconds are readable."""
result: 1,48
